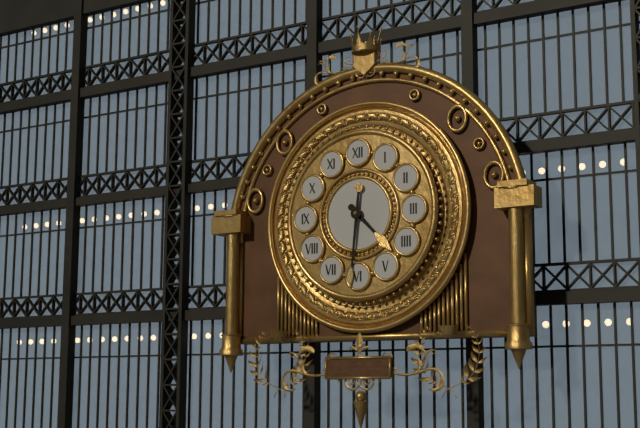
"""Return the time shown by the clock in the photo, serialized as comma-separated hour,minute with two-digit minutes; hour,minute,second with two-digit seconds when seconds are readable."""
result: 4,31
